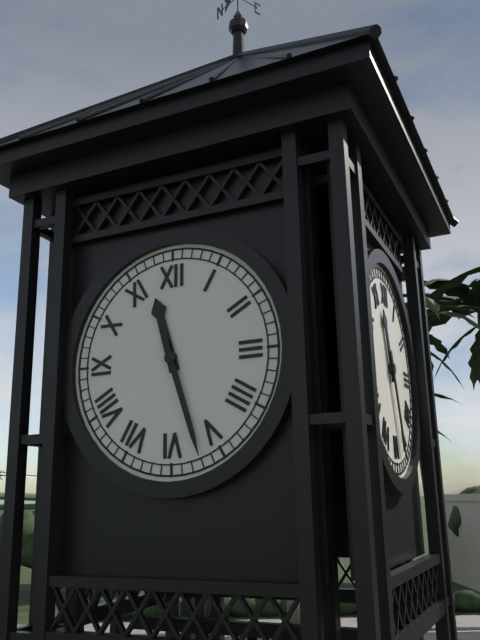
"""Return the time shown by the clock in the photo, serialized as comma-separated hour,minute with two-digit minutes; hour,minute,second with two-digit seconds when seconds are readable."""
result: 11,27
